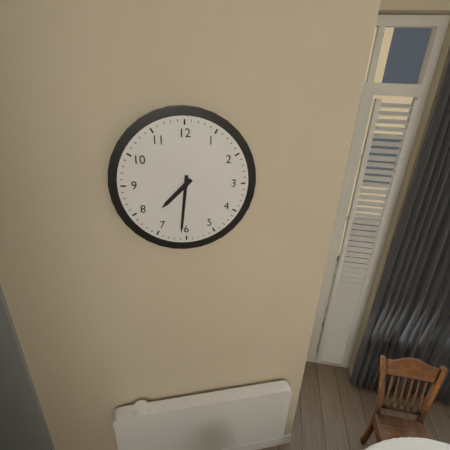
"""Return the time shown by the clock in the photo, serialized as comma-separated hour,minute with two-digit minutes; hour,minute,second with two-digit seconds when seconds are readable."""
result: 7,31
